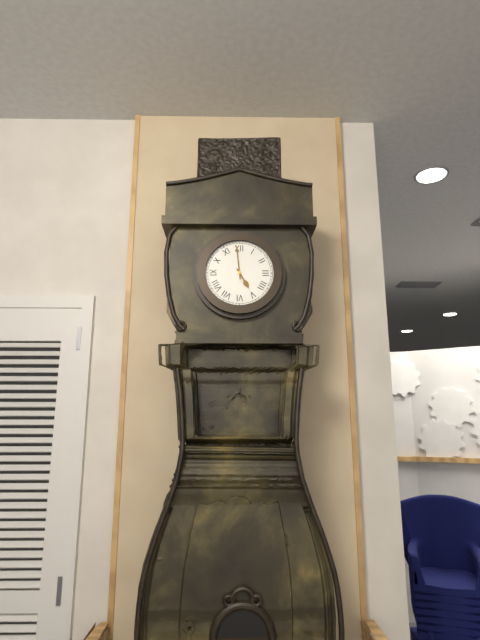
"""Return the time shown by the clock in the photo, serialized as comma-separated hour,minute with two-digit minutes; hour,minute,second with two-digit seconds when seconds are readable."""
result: 4,59
